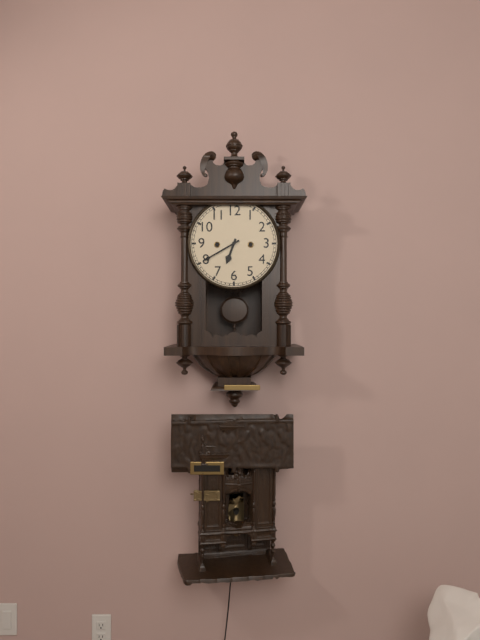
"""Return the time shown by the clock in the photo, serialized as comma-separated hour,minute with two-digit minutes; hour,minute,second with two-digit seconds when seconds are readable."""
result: 6,40
